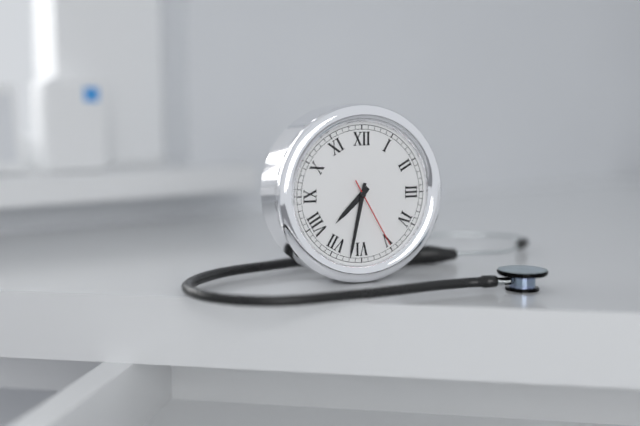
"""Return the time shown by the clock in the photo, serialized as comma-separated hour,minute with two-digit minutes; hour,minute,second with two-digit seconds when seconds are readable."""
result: 7,32,25
